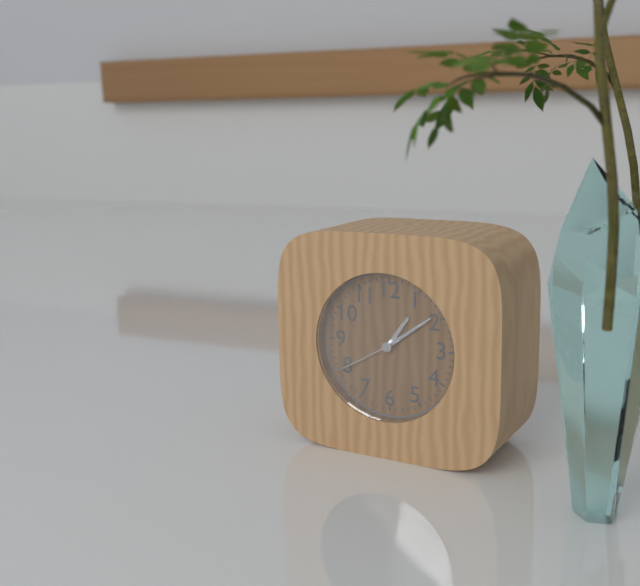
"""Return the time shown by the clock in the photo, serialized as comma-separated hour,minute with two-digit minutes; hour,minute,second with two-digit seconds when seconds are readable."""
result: 1,09,40
